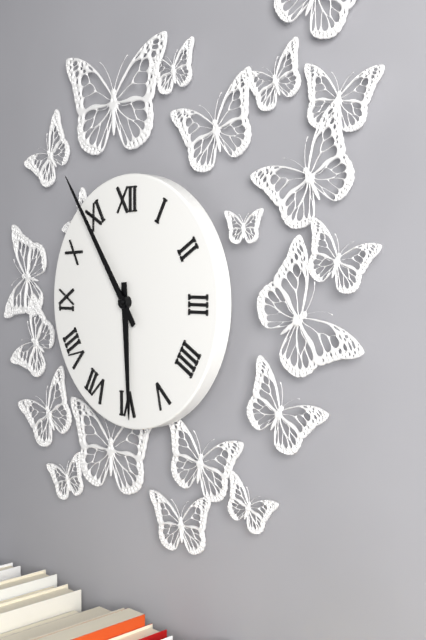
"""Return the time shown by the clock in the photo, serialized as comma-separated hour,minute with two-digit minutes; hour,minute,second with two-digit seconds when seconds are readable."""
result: 5,54
